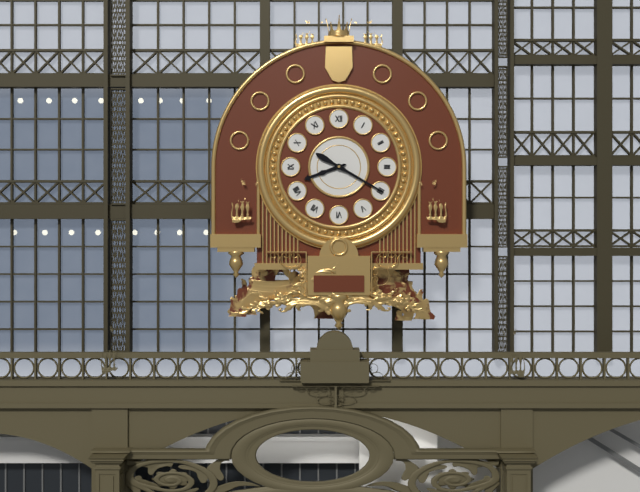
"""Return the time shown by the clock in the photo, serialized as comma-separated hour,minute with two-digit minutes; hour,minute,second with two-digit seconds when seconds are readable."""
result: 8,20
